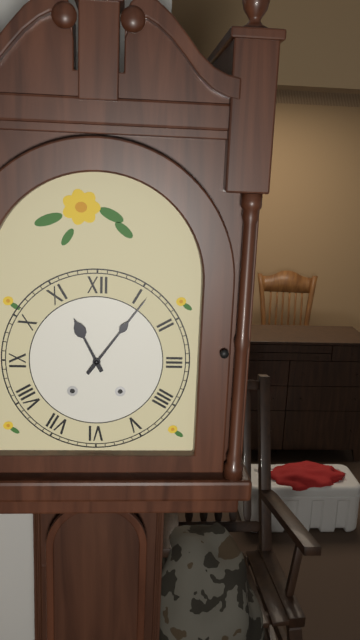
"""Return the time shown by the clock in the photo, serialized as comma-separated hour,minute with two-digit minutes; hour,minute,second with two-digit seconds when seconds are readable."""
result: 11,06
